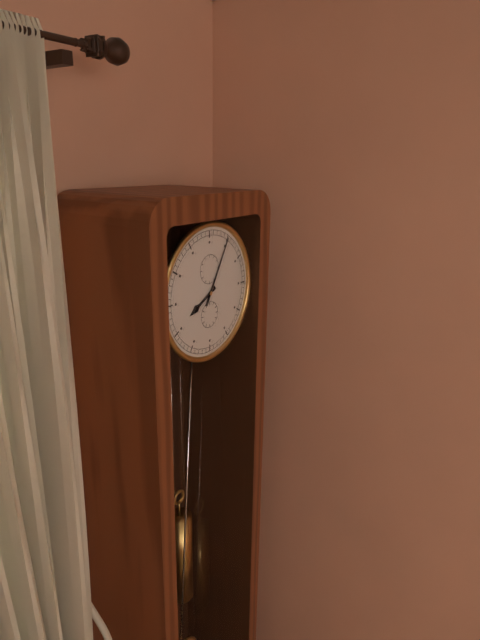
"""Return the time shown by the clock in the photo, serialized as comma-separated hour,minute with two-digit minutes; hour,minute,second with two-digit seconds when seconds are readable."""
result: 8,05
